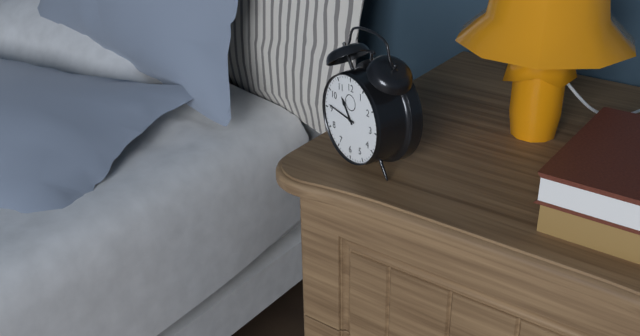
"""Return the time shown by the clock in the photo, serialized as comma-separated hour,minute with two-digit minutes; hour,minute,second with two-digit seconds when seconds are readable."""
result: 10,46
